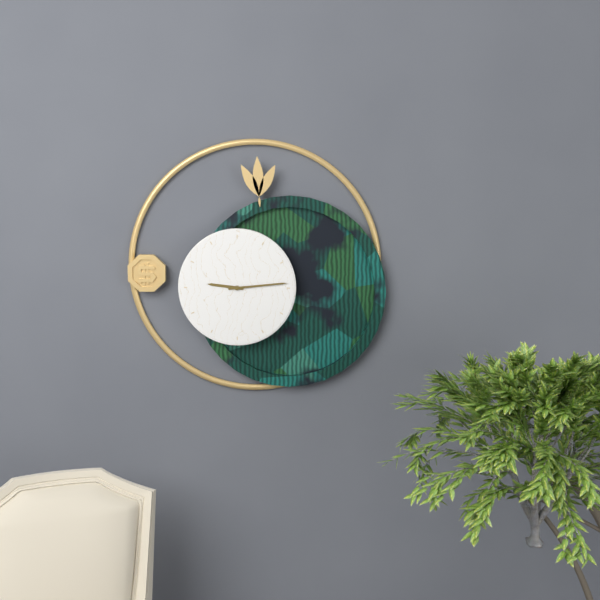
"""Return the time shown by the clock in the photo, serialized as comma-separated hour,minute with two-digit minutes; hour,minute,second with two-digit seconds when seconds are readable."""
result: 9,14
